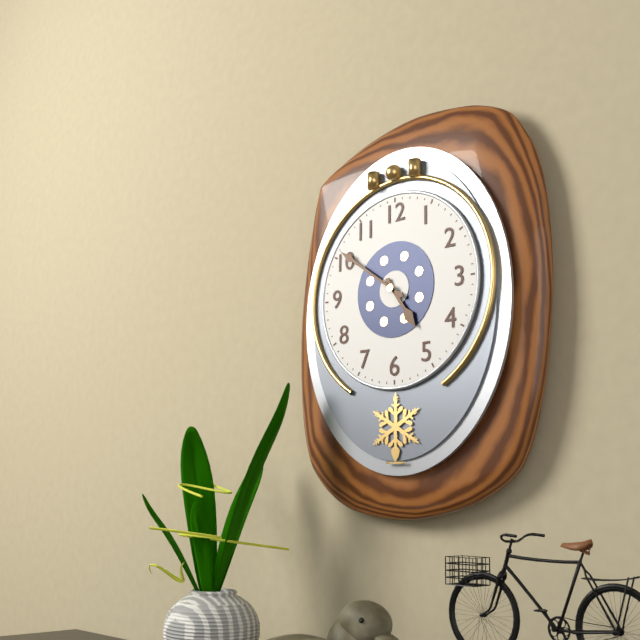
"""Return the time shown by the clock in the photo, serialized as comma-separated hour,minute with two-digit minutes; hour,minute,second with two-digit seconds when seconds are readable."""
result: 4,51
